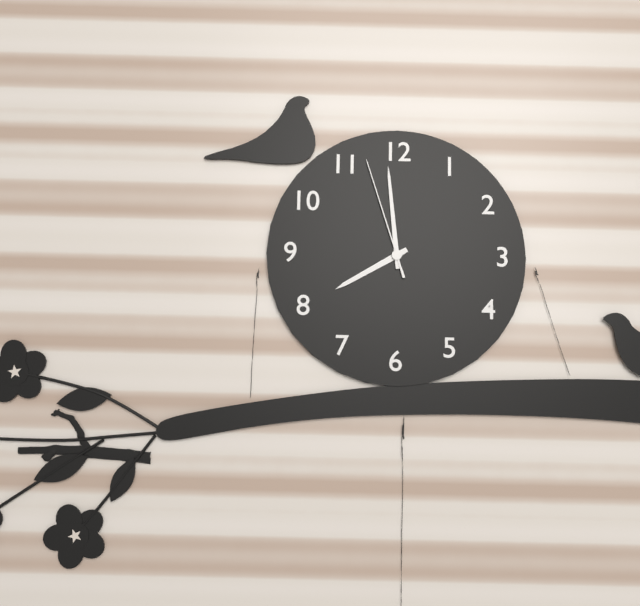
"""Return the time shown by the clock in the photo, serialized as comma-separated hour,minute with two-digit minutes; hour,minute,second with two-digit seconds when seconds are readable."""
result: 7,59,57
